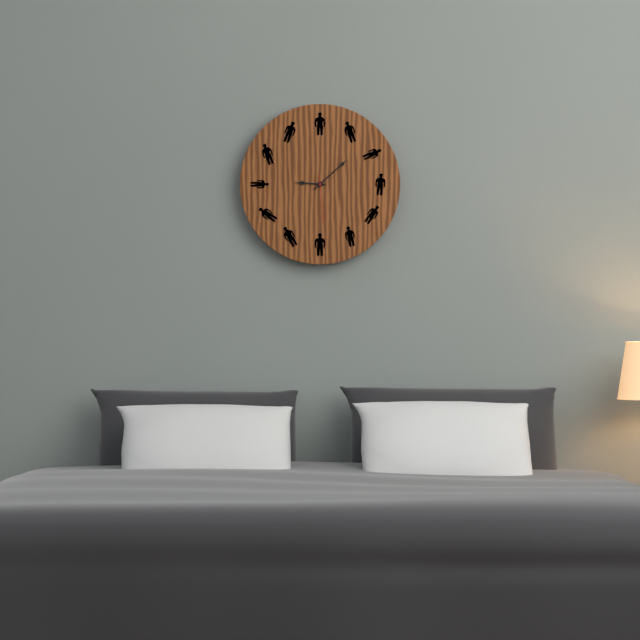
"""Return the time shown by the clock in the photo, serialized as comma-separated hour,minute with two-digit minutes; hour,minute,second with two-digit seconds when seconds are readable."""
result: 9,08
